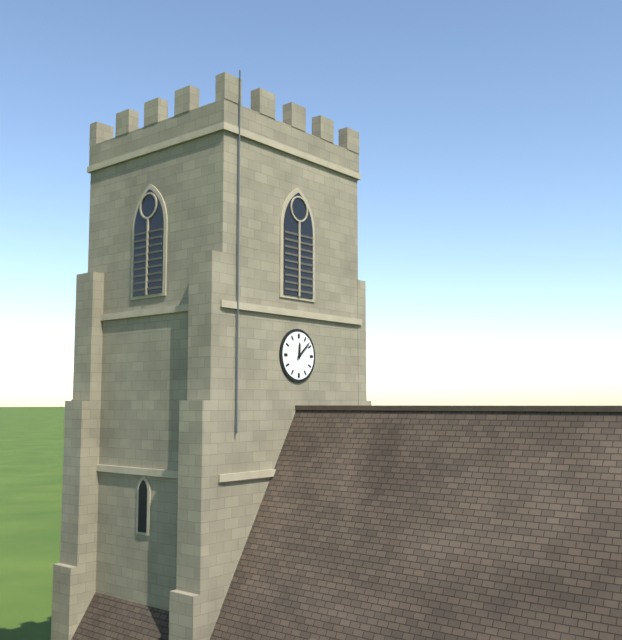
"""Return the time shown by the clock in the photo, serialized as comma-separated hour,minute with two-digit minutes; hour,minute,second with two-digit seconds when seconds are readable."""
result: 12,08
